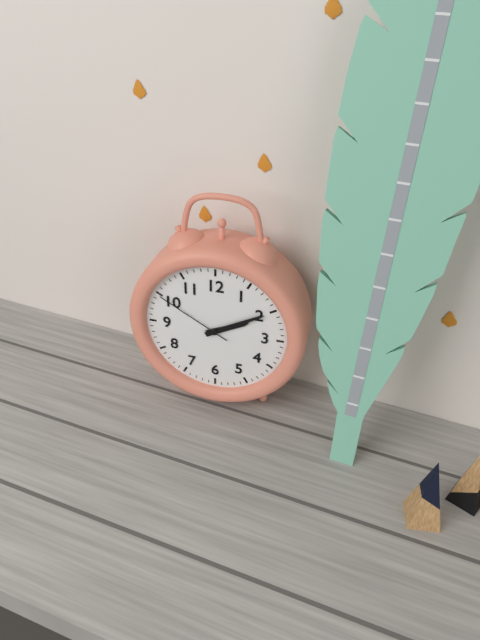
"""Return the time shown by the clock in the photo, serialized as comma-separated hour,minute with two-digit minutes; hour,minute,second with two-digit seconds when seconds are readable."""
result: 2,10,50
